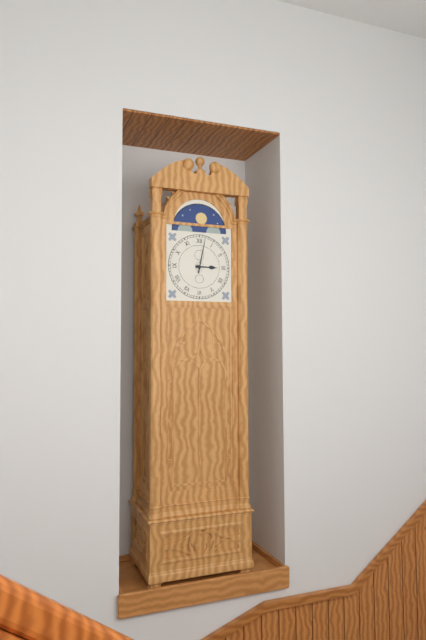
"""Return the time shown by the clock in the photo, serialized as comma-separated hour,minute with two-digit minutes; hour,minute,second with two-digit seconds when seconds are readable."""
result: 3,02
